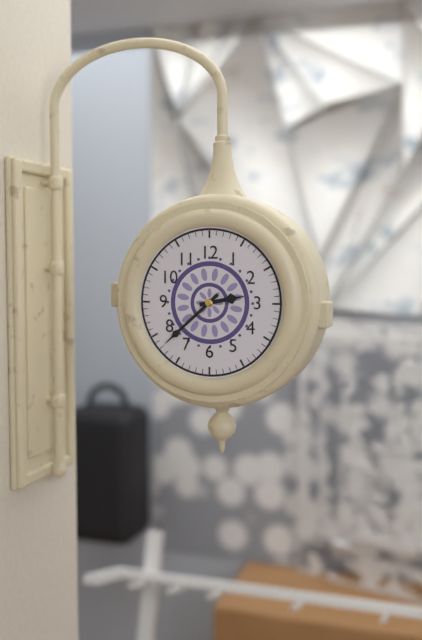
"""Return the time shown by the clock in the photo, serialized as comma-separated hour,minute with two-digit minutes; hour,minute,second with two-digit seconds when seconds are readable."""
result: 2,38
